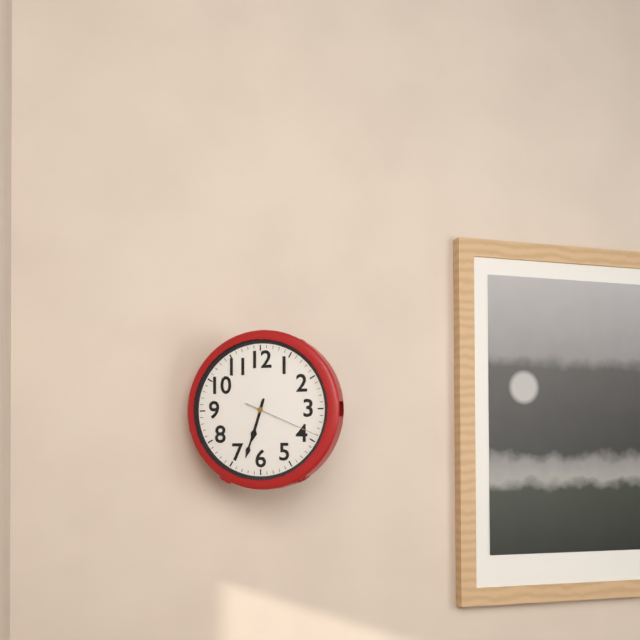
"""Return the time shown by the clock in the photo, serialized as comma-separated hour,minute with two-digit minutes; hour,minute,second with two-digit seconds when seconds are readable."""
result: 6,33,19
